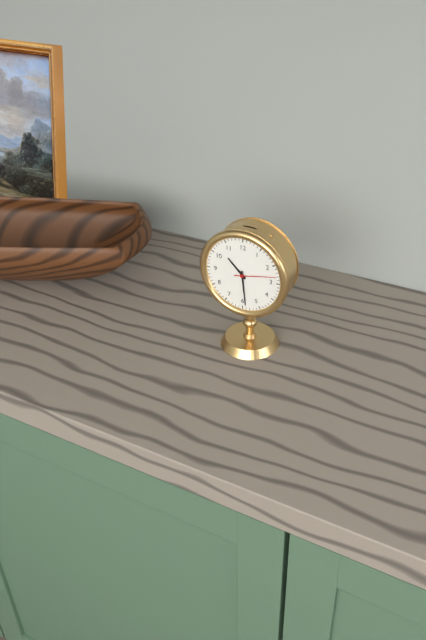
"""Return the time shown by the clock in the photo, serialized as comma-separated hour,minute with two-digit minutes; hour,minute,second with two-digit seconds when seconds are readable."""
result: 10,29
